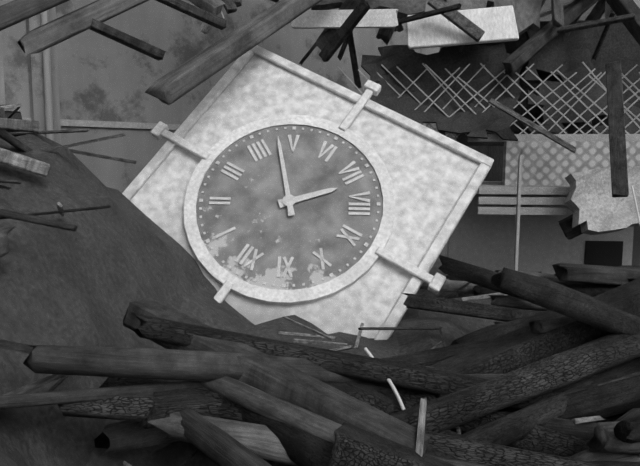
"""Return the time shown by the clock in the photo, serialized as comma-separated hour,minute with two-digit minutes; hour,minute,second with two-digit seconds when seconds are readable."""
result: 7,23
